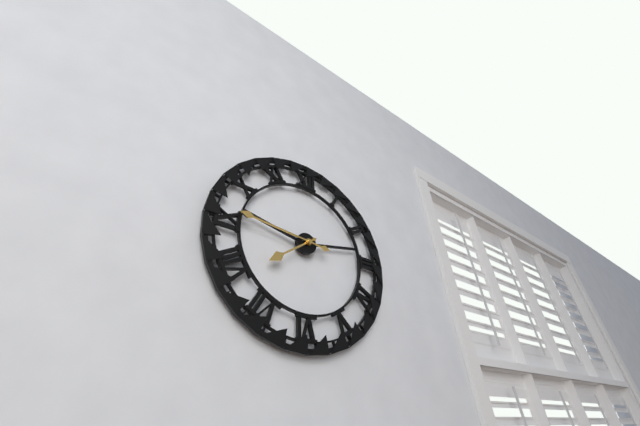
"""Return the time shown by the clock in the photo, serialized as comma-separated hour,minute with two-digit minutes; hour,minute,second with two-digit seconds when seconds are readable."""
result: 7,46
